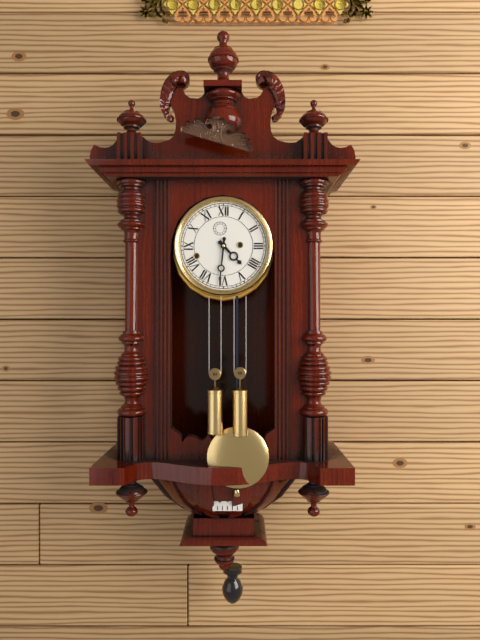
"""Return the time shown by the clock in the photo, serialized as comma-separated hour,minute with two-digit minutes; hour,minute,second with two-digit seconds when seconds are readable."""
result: 4,31
